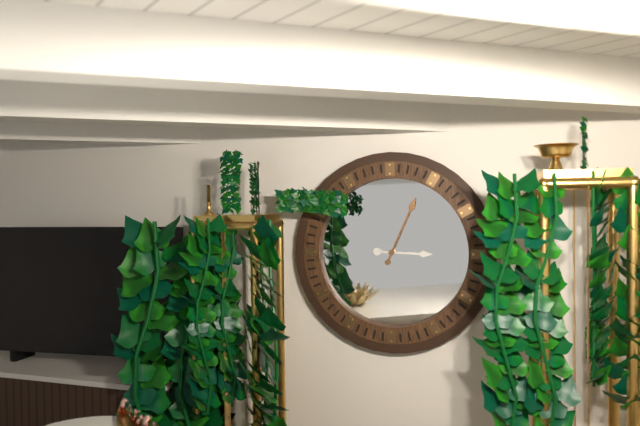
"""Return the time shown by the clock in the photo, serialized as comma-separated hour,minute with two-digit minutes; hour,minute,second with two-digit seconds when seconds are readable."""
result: 3,04
